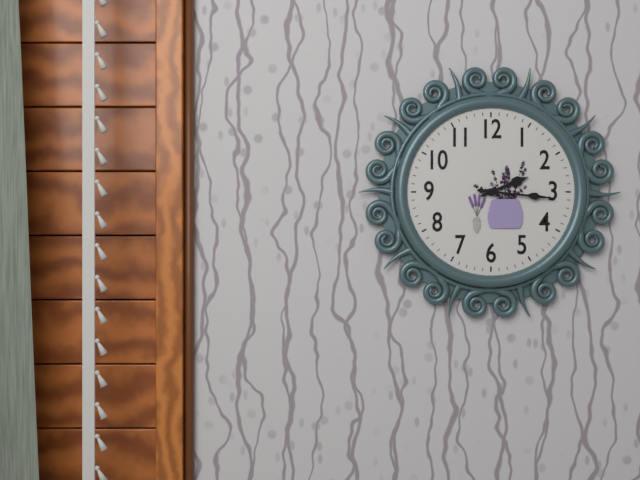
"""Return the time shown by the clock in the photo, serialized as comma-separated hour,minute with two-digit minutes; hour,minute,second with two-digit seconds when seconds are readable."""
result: 2,16
